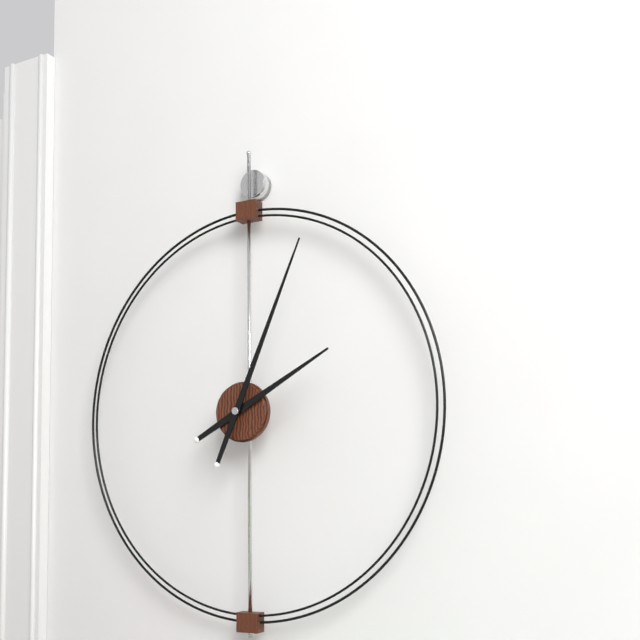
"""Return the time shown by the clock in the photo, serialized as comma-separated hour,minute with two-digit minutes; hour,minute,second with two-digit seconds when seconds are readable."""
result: 2,04
